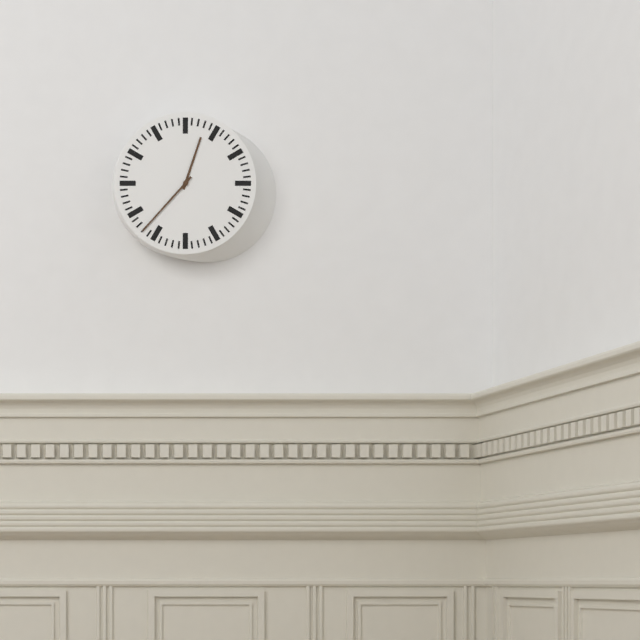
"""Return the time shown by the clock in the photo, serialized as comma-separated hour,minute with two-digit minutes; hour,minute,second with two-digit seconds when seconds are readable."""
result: 12,37
